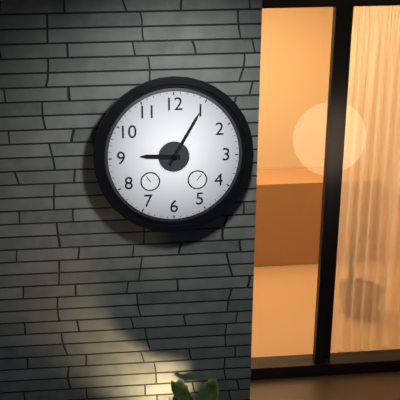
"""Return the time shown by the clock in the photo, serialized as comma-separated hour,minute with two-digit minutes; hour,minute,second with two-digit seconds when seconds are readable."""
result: 9,05
